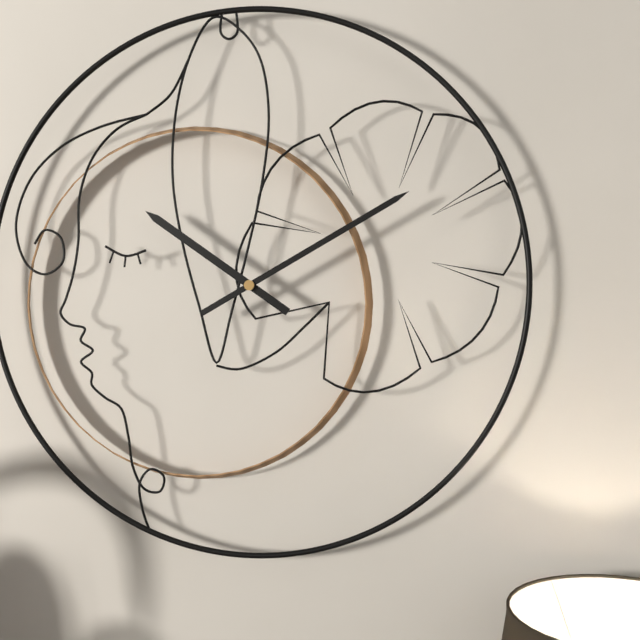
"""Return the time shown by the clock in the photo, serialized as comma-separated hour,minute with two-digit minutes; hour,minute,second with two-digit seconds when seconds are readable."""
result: 10,10
